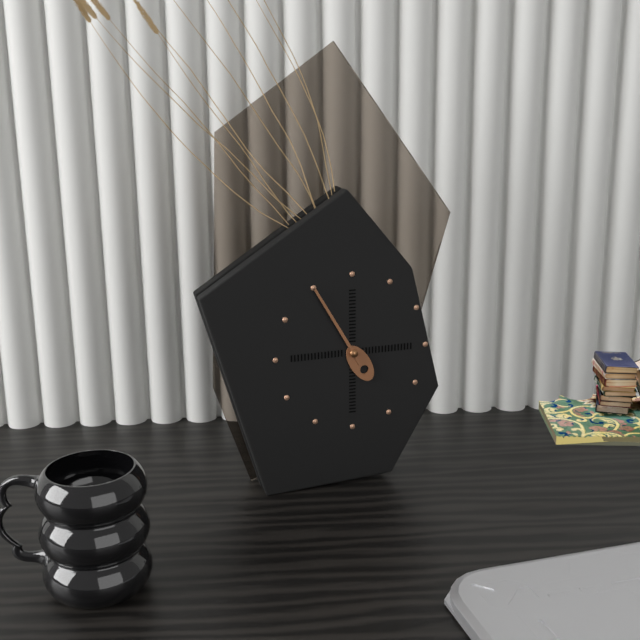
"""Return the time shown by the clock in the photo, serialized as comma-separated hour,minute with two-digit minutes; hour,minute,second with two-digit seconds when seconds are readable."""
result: 4,55
